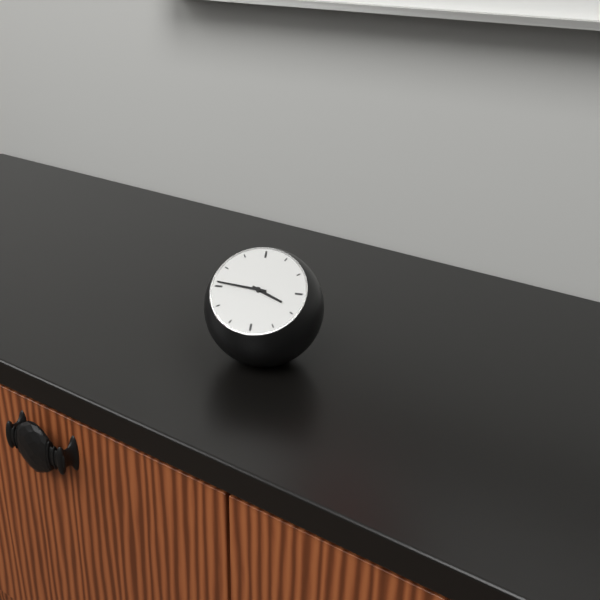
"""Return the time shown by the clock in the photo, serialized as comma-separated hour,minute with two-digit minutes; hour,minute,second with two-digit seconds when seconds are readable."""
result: 3,46
